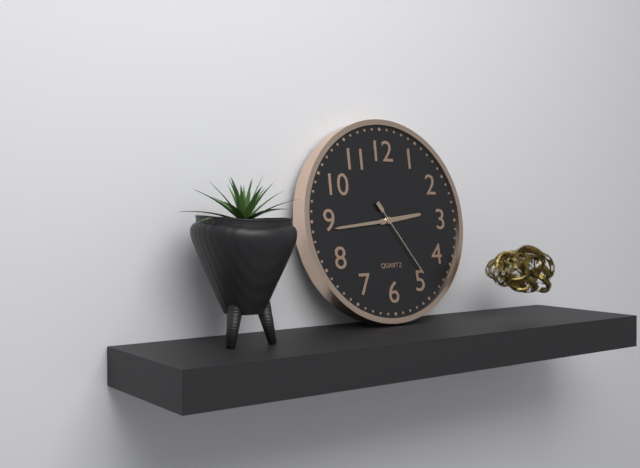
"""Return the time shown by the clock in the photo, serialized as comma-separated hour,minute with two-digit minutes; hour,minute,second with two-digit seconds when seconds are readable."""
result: 2,44,24
